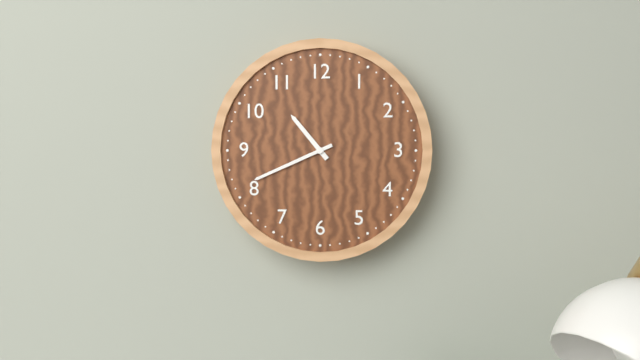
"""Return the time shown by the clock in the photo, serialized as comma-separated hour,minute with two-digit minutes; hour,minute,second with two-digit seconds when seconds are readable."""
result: 10,41
